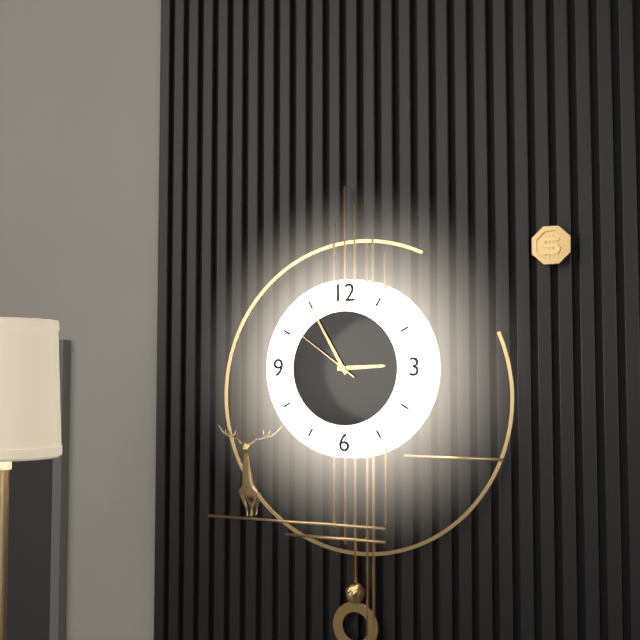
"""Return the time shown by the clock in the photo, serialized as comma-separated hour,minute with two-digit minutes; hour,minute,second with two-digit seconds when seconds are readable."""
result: 2,55,51
